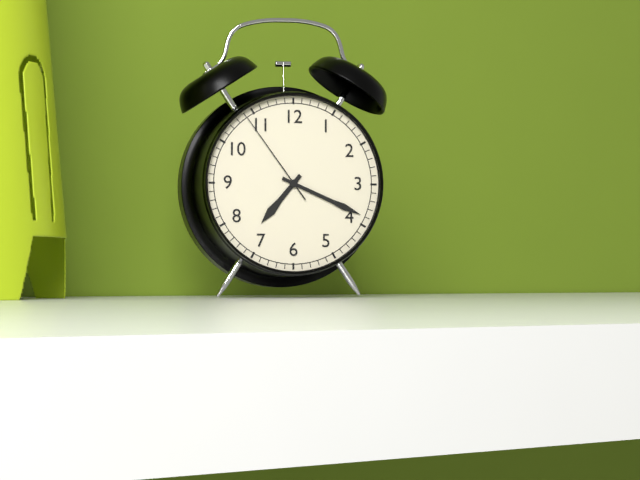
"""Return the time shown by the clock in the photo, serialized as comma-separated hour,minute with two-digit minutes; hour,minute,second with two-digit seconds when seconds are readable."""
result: 7,19,54
